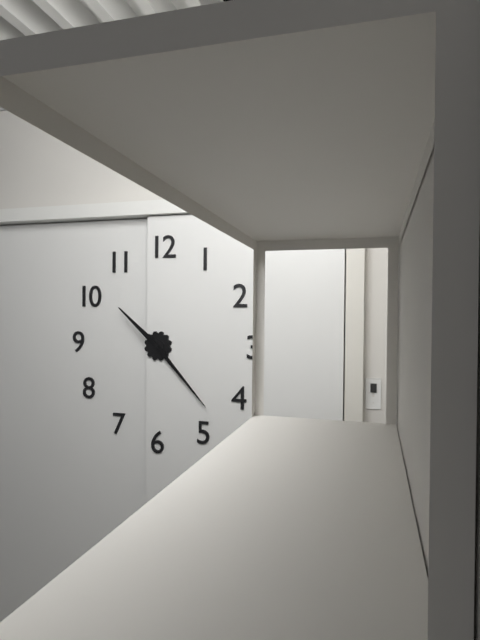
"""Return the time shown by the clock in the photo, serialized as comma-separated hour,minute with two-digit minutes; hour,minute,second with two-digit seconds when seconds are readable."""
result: 10,23
